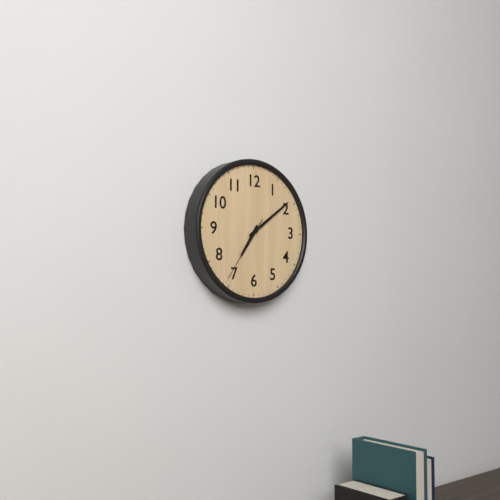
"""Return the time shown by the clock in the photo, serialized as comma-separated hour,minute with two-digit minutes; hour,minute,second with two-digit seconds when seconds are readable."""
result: 7,09,36
